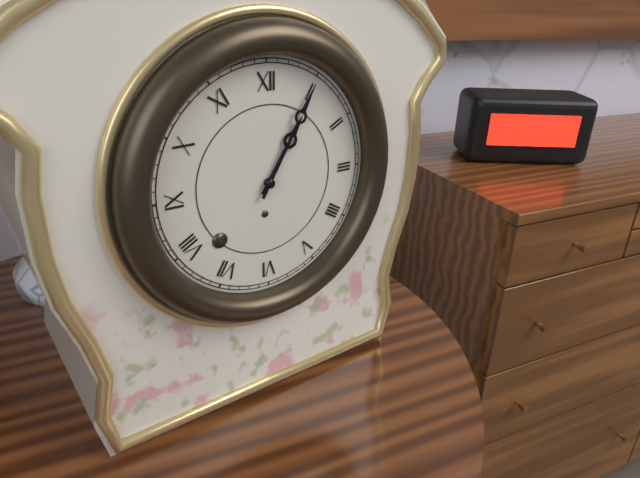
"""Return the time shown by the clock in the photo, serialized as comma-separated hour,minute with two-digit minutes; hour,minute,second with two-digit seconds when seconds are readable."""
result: 1,05
